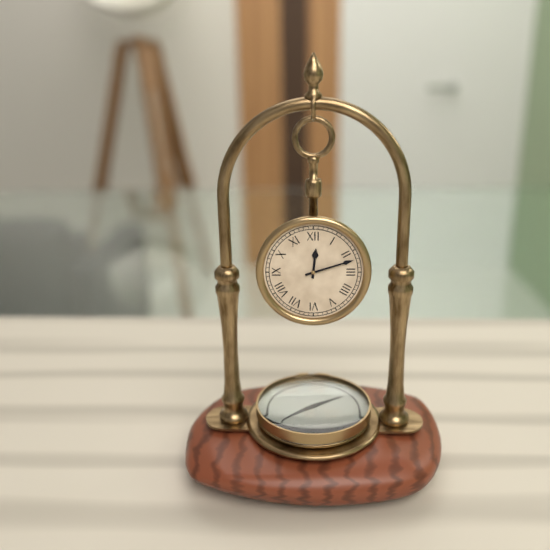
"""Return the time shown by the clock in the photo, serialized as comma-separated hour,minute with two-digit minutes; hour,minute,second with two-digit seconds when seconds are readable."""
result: 12,12
